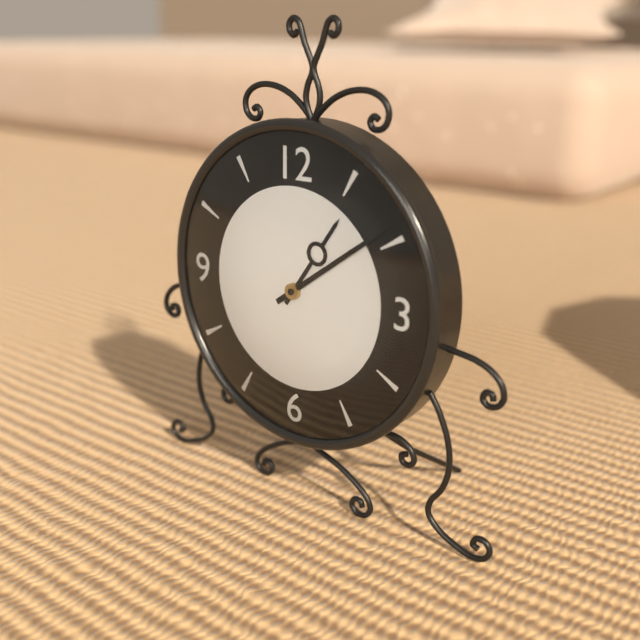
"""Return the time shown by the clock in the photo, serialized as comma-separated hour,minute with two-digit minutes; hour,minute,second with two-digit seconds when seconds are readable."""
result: 1,09
